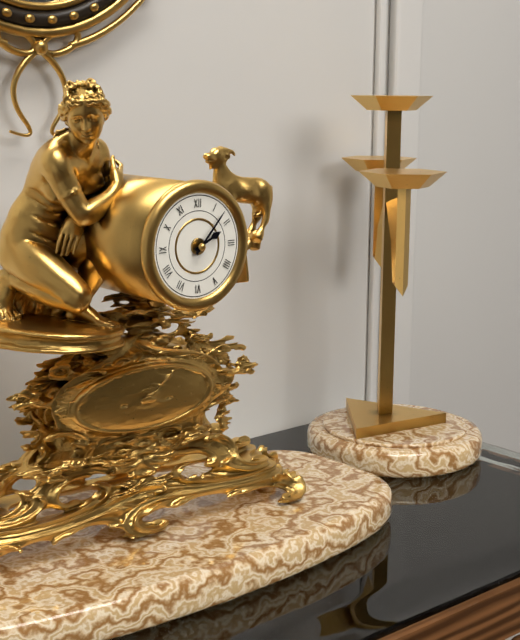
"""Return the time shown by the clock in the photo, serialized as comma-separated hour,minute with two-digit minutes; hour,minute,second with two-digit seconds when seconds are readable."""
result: 2,07
